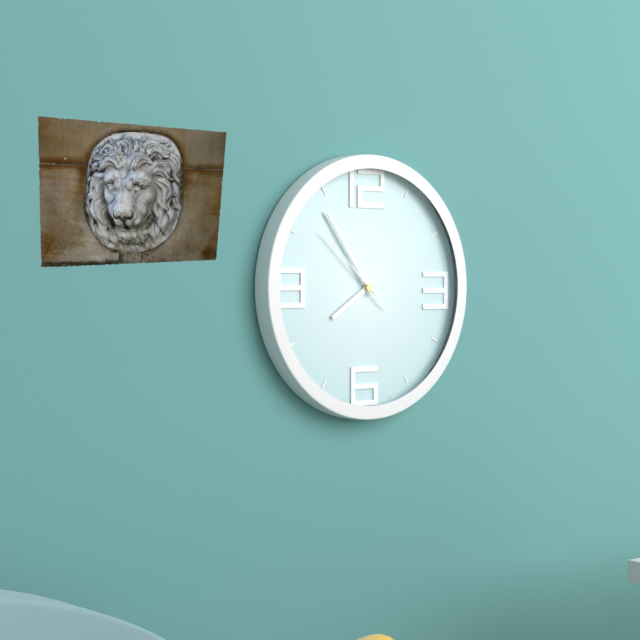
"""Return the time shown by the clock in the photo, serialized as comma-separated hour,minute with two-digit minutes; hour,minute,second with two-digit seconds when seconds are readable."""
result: 7,54,52
